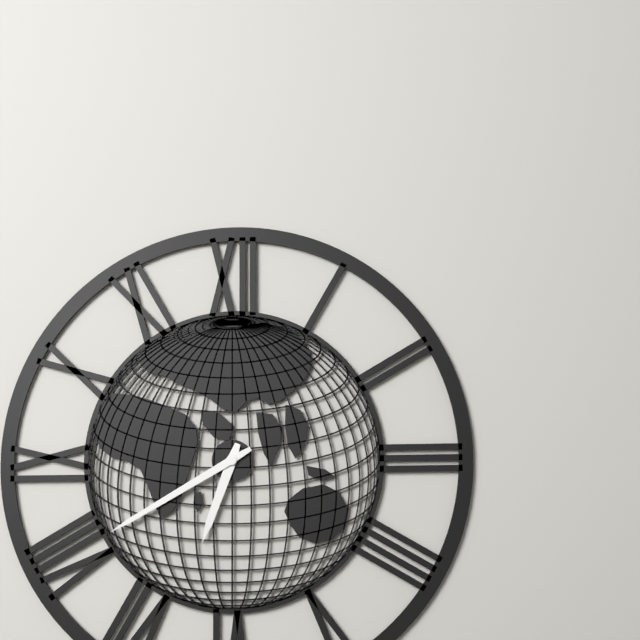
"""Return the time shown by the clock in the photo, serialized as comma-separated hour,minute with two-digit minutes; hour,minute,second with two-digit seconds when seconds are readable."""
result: 6,40
